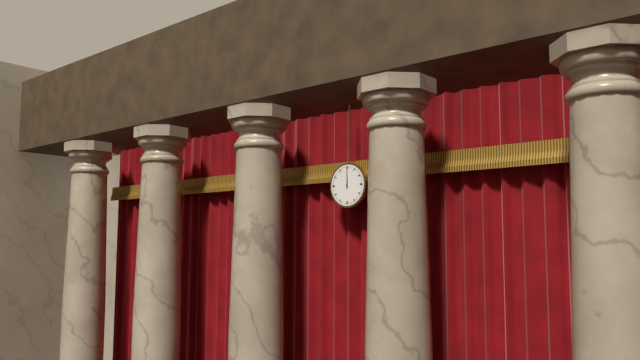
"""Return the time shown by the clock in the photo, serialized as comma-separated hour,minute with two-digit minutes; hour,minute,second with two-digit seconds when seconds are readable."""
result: 12,00
